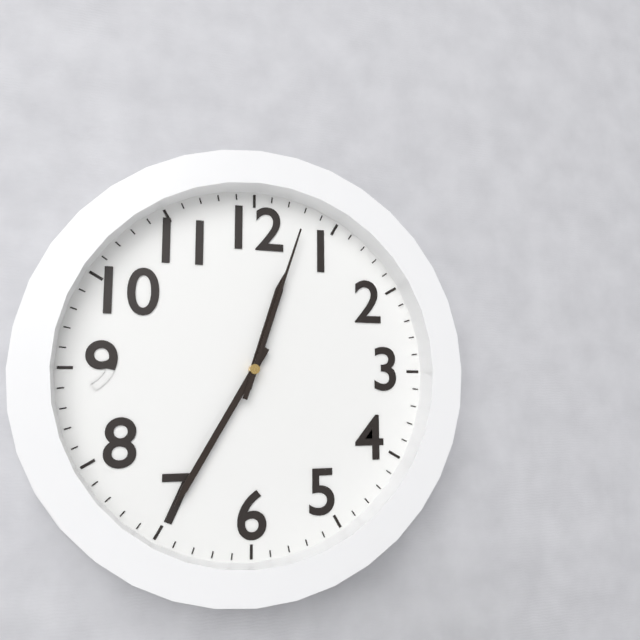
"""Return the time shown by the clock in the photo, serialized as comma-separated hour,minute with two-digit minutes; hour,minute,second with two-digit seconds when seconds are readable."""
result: 12,35,03
